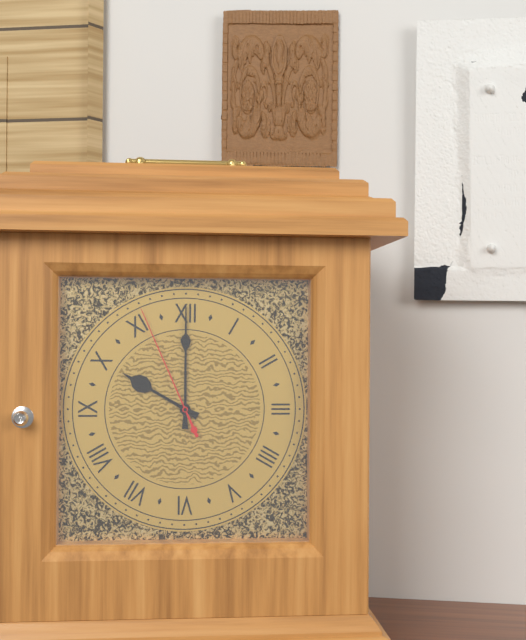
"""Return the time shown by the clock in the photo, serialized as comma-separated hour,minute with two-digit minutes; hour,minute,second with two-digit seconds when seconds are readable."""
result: 10,00,56
